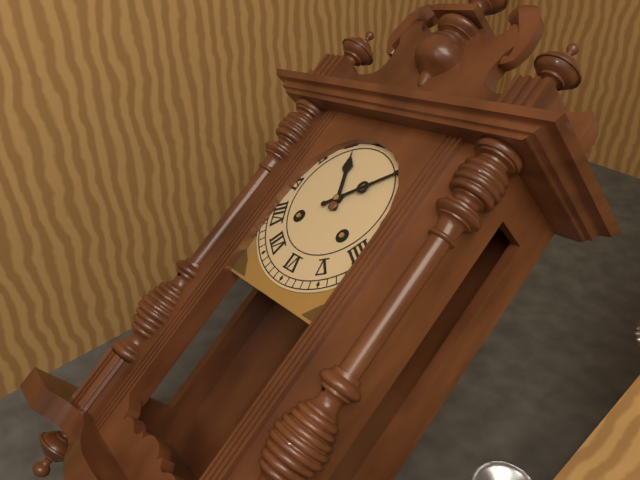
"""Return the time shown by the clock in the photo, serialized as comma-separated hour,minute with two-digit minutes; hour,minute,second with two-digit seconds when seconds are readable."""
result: 11,08
